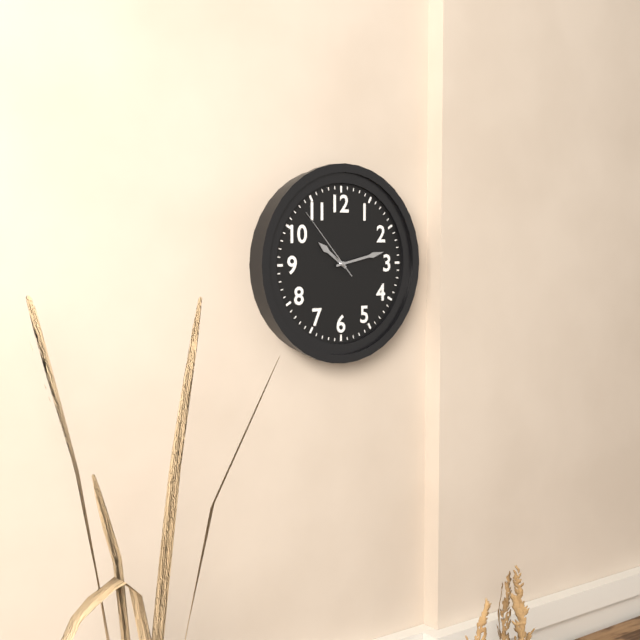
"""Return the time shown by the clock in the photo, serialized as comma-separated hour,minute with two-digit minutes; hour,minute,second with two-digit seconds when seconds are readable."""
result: 10,13,53
